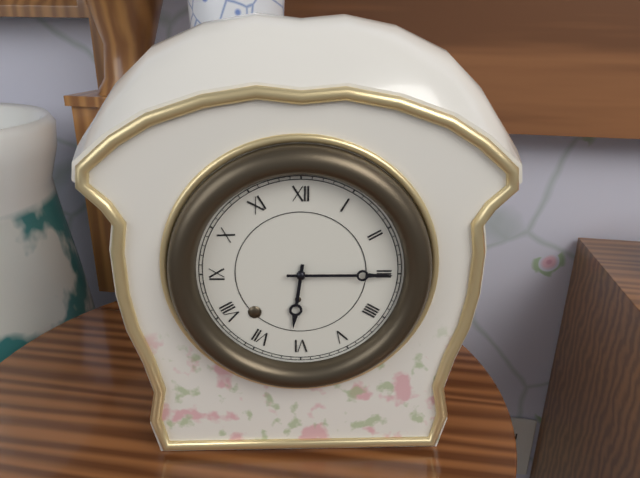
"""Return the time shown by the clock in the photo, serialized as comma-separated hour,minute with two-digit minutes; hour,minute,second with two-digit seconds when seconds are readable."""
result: 6,15
